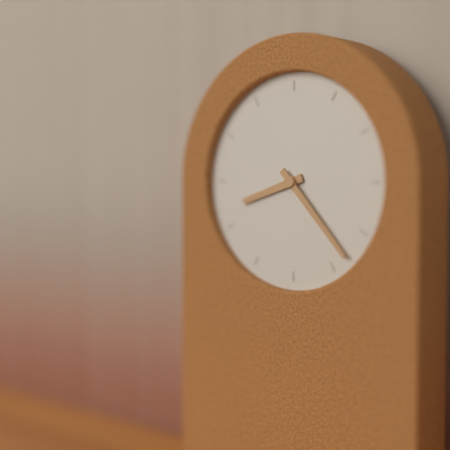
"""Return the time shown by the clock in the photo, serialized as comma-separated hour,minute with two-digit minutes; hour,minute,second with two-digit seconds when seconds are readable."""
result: 8,23
